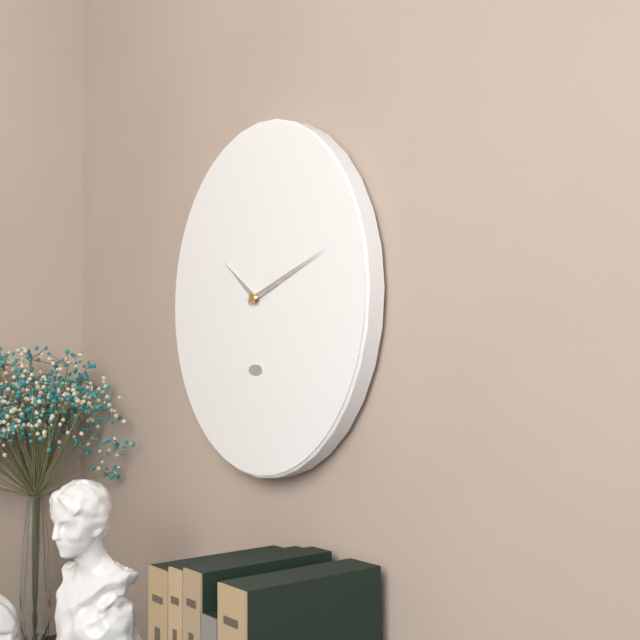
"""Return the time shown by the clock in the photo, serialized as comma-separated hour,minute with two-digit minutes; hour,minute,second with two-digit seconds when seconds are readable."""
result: 10,12
